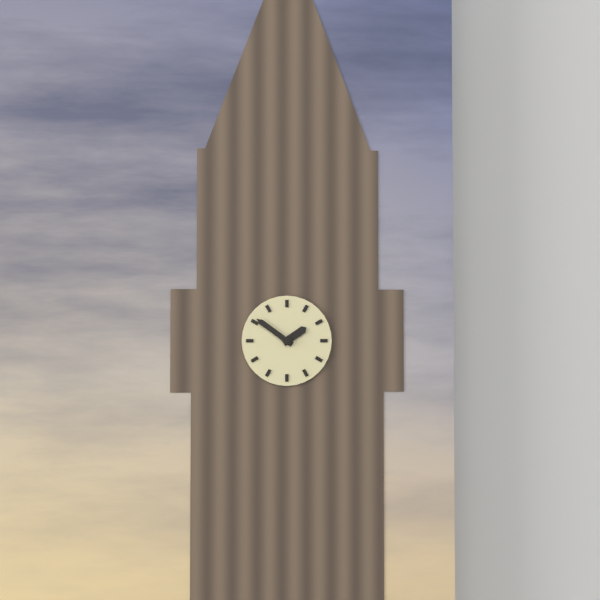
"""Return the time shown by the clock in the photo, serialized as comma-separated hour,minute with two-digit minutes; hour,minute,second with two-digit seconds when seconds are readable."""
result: 1,51
